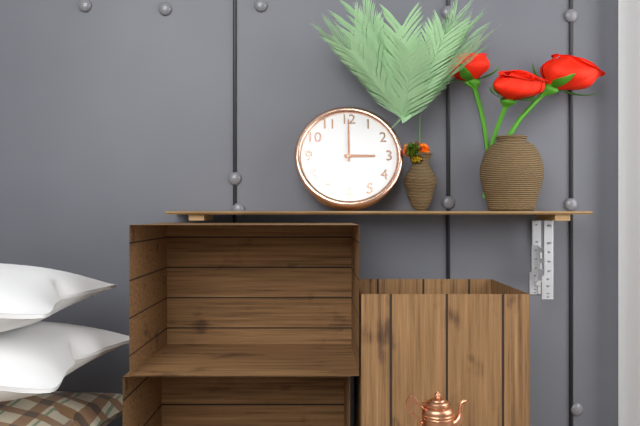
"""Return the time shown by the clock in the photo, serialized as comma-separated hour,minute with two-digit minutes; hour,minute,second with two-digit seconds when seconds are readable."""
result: 3,00
